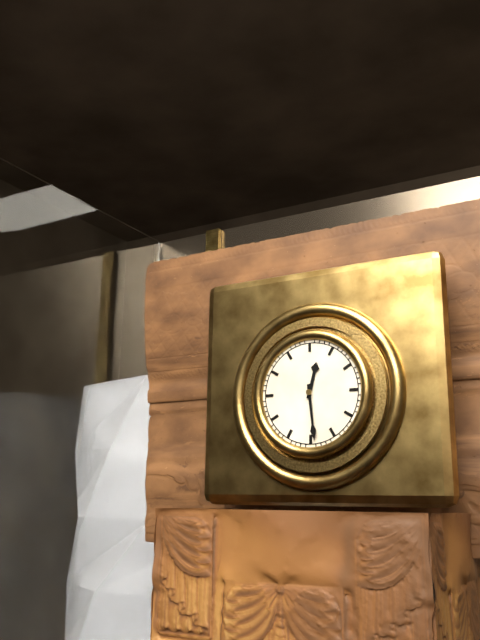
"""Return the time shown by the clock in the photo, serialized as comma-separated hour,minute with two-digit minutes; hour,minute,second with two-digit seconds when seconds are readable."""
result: 12,29
